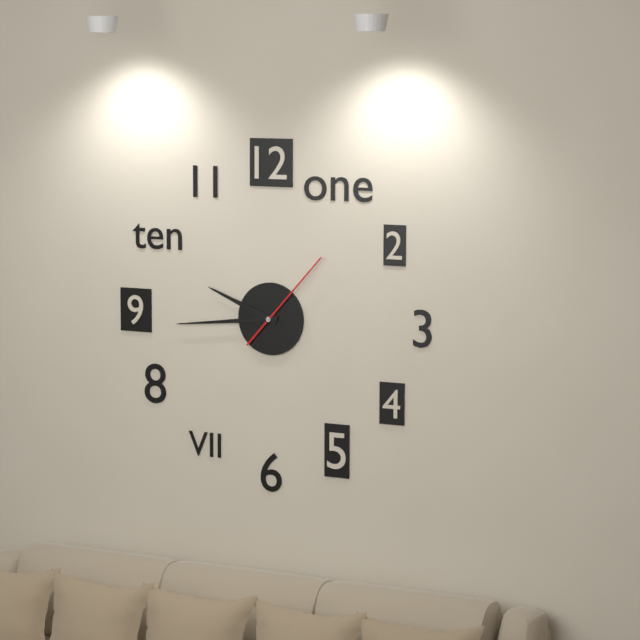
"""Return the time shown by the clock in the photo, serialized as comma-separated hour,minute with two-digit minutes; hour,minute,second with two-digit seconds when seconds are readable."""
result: 9,44,07
